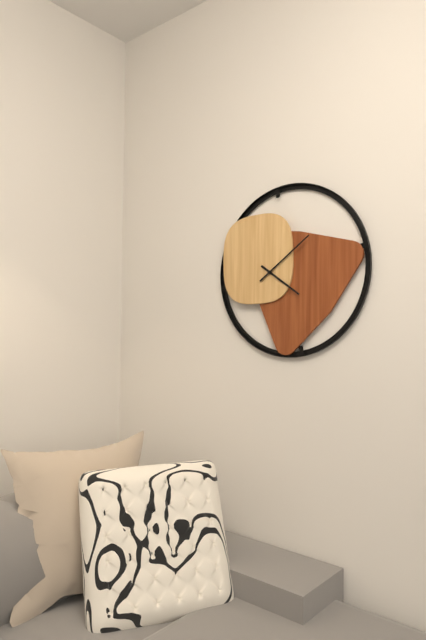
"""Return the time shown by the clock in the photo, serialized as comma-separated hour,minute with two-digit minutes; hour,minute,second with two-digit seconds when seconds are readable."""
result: 4,09
